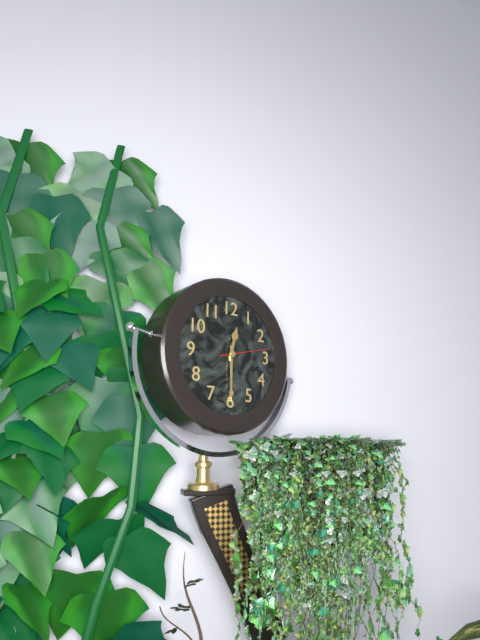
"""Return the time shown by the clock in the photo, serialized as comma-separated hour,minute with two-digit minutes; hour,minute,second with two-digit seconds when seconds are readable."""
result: 12,30
